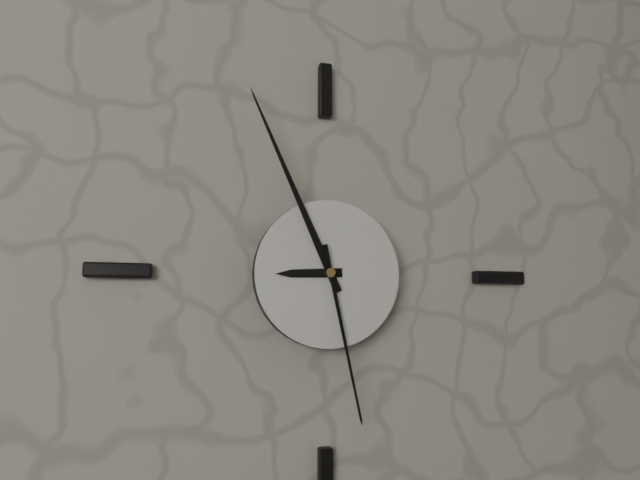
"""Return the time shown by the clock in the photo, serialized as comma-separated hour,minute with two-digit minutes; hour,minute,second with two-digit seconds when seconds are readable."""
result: 8,56,28
